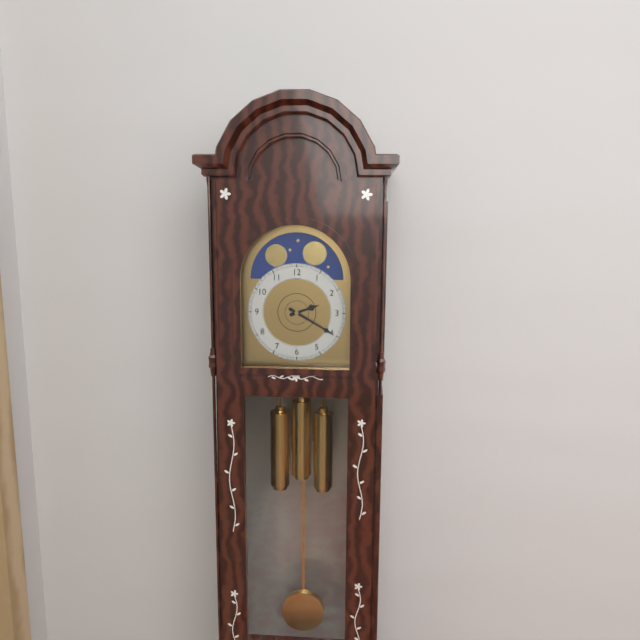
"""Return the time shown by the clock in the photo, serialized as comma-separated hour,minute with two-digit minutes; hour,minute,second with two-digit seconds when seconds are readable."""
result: 2,20
